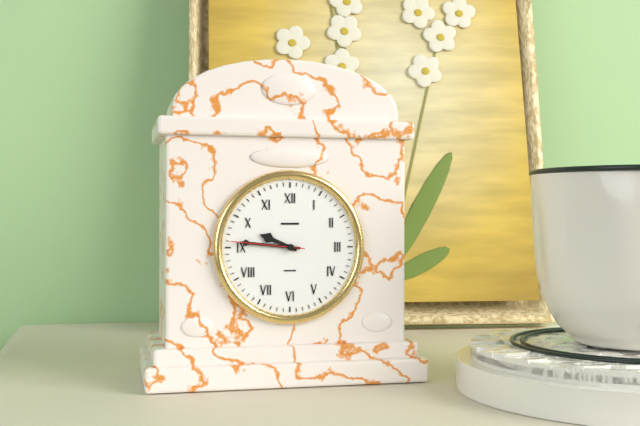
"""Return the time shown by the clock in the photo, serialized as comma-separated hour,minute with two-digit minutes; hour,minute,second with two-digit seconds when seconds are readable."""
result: 9,46,46
